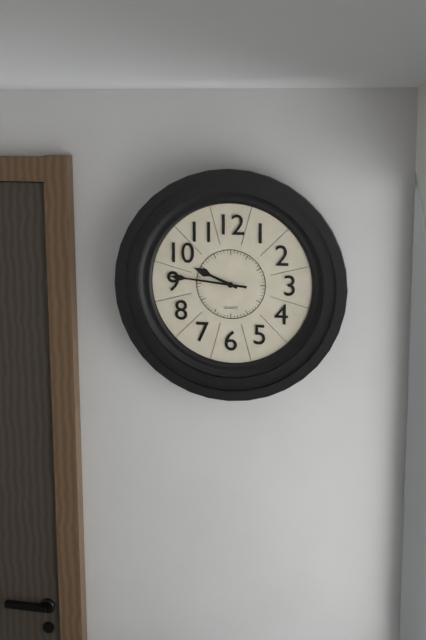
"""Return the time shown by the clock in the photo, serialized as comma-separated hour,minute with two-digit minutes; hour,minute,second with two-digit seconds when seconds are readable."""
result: 9,46
